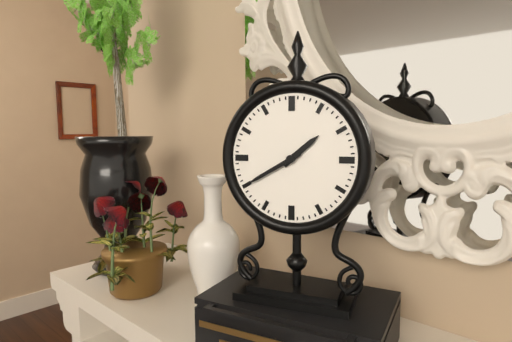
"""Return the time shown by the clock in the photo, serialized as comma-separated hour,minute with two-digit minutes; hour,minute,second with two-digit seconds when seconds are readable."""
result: 1,40
